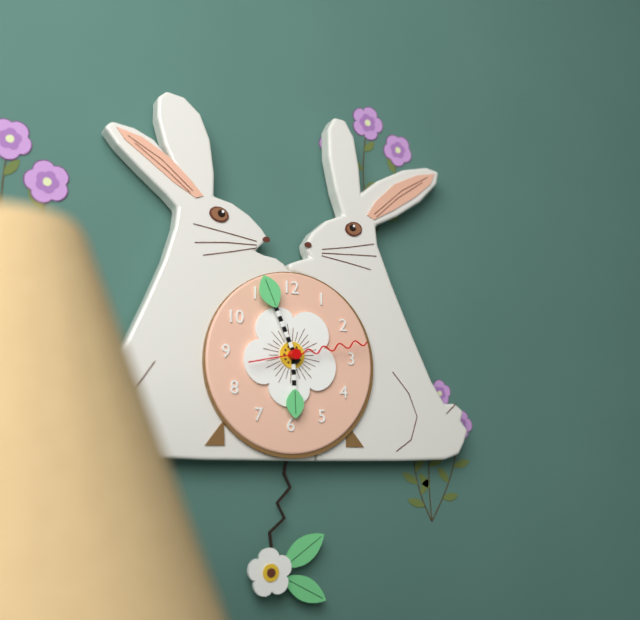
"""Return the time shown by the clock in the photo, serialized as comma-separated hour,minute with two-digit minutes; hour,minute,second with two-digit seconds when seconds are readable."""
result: 5,56,13
